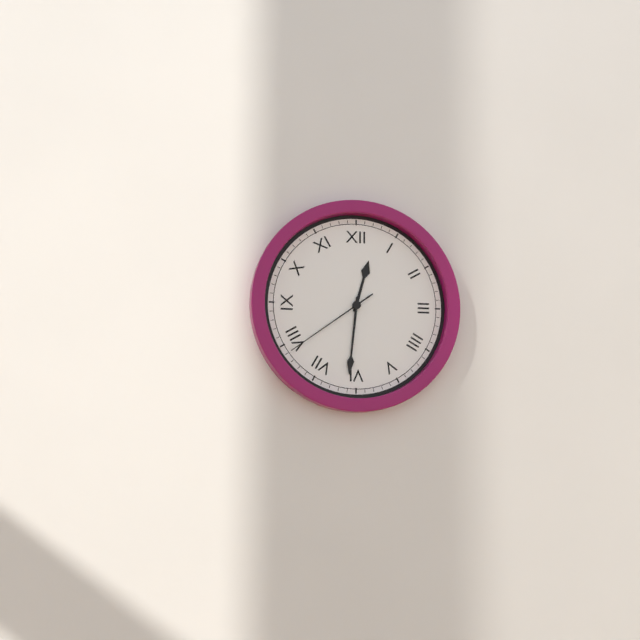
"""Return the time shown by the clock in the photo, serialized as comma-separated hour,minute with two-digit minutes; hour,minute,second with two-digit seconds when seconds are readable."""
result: 12,31,39
